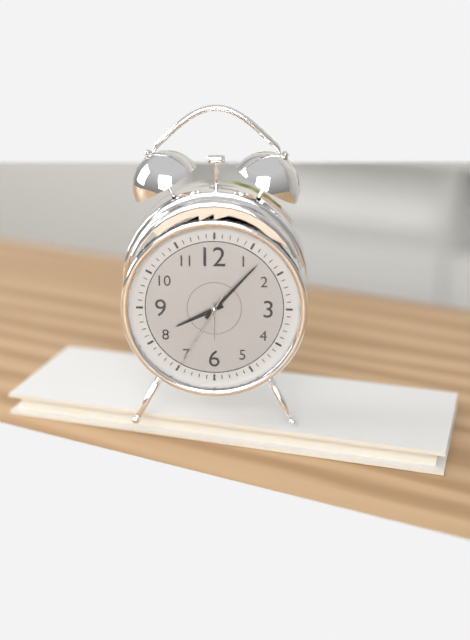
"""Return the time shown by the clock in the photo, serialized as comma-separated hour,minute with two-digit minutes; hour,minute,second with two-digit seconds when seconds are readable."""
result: 8,07,35
